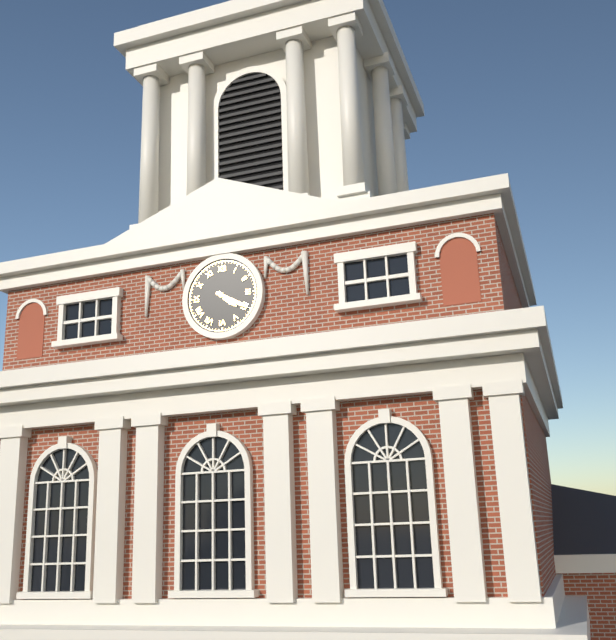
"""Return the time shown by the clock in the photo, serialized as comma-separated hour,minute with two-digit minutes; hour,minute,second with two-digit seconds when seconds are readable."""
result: 4,20
